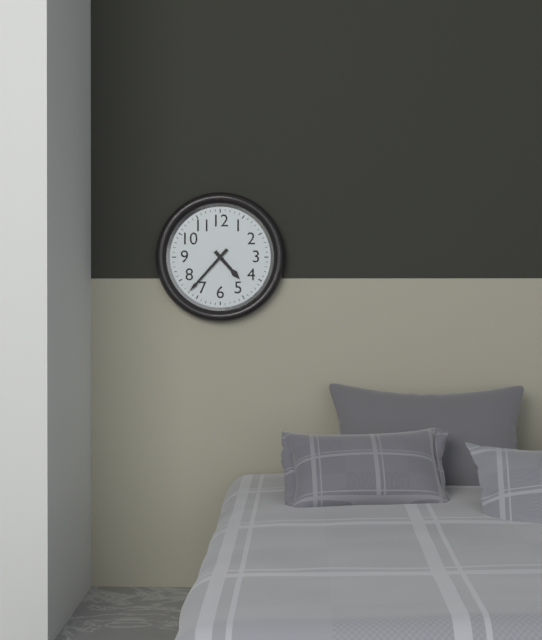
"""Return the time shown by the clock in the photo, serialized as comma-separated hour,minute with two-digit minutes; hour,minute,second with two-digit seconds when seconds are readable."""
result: 4,37
